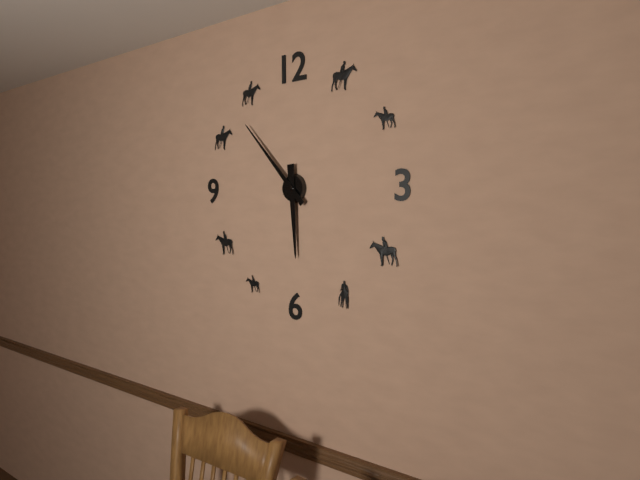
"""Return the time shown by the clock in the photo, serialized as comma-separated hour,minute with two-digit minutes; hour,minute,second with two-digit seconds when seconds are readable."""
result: 5,53
